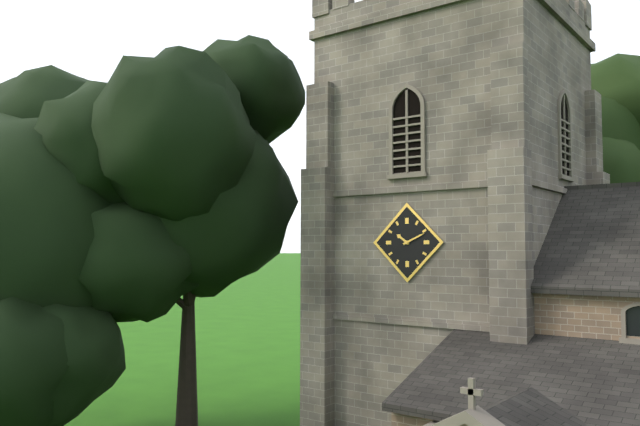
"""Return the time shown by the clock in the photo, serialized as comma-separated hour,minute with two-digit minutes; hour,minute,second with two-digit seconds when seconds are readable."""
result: 10,11
